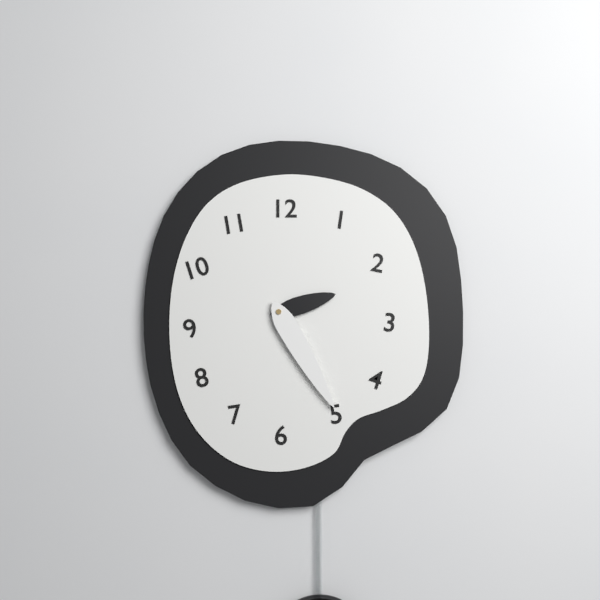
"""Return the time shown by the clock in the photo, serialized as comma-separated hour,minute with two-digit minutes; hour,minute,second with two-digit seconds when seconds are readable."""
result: 2,25
